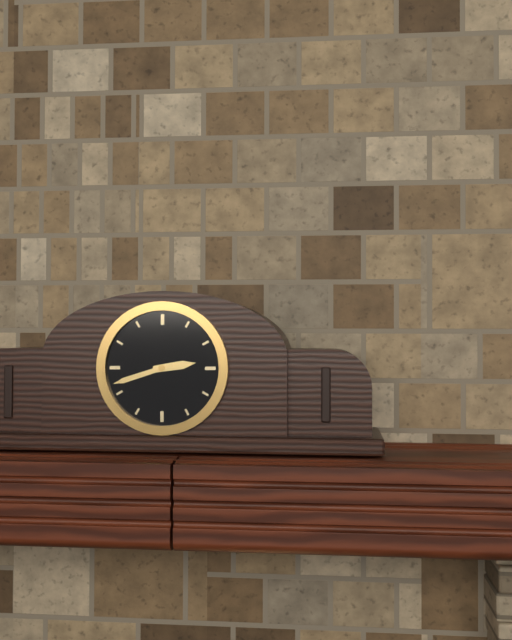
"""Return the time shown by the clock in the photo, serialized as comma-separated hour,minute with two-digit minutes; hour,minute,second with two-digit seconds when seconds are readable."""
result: 2,42
